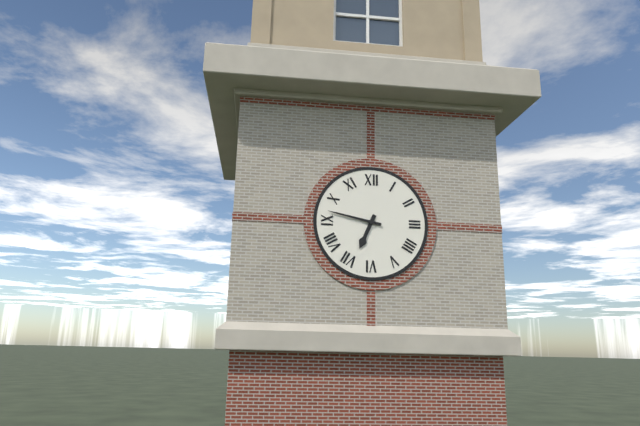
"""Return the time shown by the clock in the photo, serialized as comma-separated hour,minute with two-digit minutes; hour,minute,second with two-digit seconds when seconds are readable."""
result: 6,47
